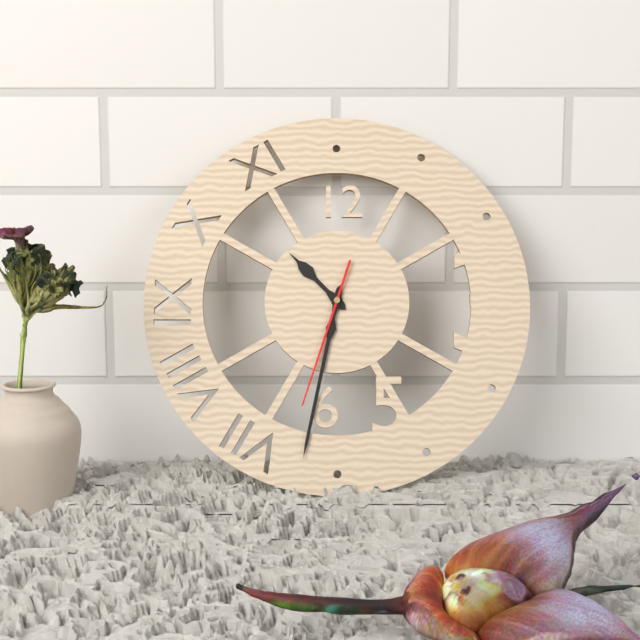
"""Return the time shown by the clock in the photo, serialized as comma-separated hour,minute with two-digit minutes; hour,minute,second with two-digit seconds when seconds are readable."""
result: 10,32,33
